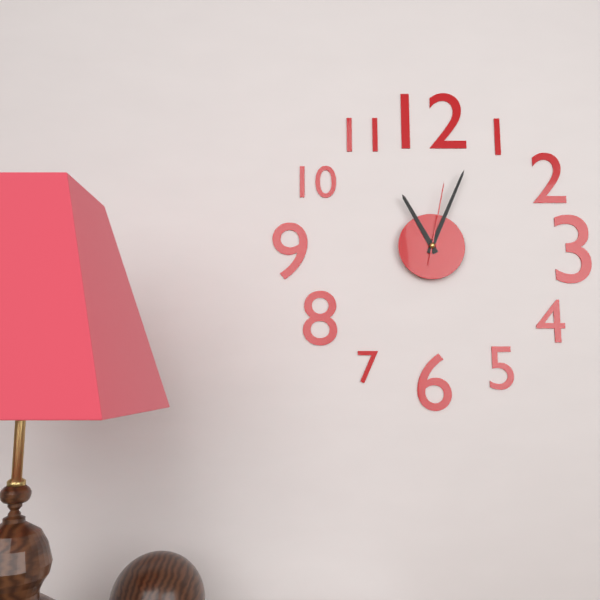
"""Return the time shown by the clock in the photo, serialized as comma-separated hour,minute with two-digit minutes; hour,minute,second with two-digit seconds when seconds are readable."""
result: 11,04,02
